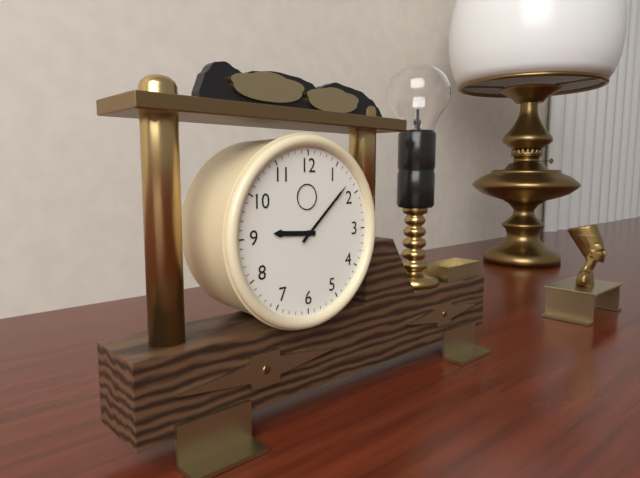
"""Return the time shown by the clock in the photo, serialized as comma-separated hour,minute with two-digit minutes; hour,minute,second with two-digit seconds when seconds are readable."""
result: 9,08
